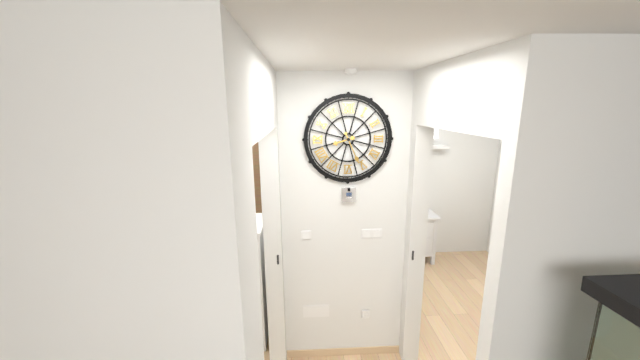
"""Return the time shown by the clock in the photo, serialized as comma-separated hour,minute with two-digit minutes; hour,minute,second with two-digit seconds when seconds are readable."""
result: 8,26
